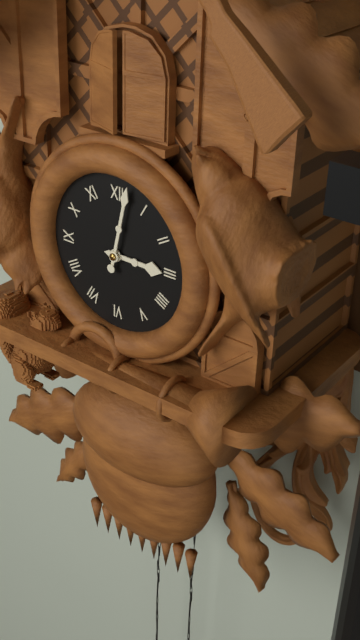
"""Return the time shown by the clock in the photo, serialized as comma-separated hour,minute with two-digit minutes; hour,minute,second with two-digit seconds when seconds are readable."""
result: 3,02
